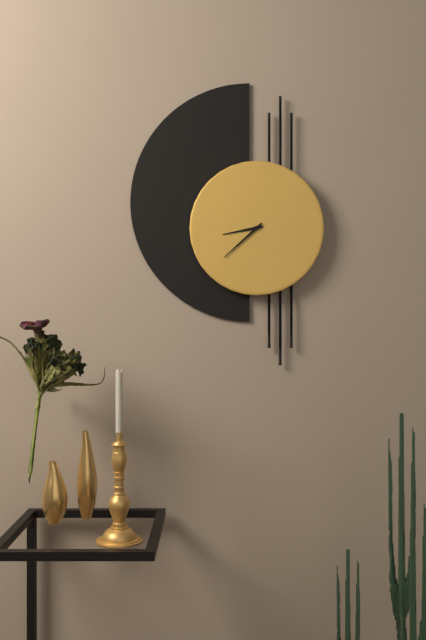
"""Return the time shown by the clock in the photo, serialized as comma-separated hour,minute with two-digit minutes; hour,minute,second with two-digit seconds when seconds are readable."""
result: 8,38
